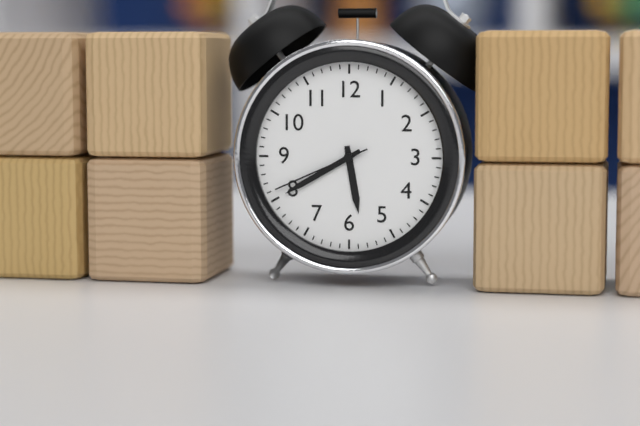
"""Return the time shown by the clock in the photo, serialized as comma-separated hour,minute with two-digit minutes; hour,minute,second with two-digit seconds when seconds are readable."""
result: 5,40,41
